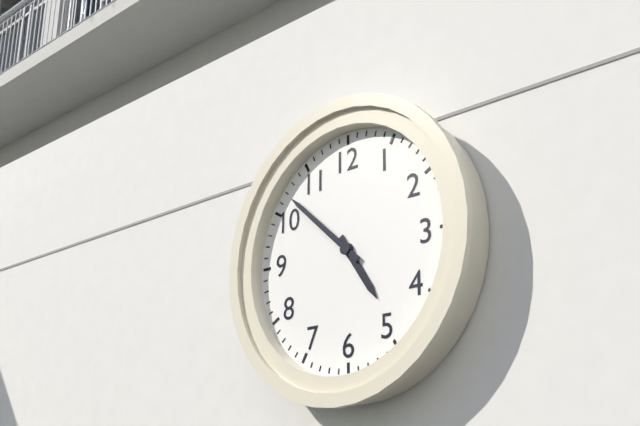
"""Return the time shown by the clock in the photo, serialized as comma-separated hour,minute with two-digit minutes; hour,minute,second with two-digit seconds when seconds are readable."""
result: 4,52
